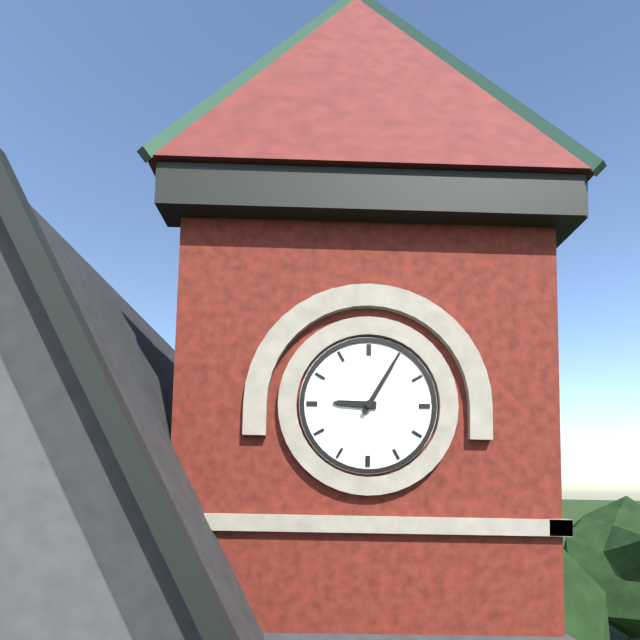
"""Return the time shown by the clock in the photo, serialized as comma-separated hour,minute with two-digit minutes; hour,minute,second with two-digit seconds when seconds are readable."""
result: 9,05
